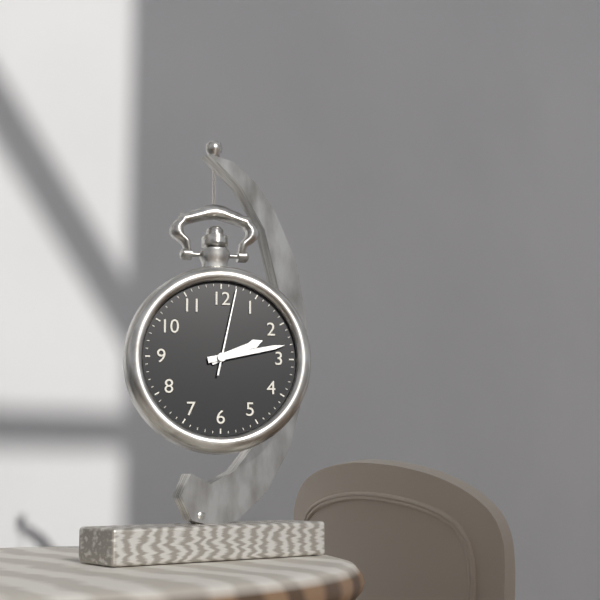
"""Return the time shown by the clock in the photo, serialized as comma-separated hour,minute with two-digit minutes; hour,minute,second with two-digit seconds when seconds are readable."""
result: 2,13,02
